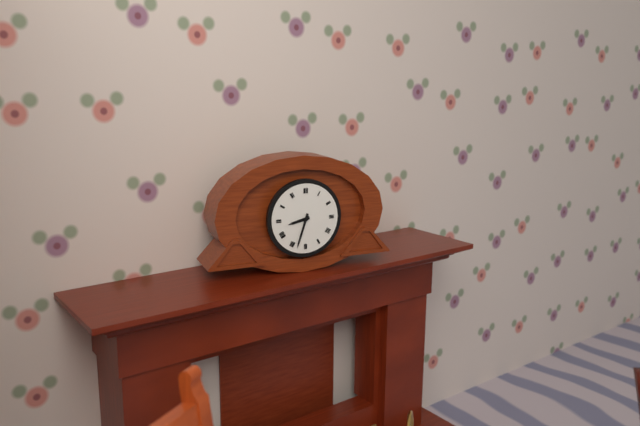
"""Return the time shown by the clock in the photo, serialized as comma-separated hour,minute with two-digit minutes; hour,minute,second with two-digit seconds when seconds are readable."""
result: 8,33
